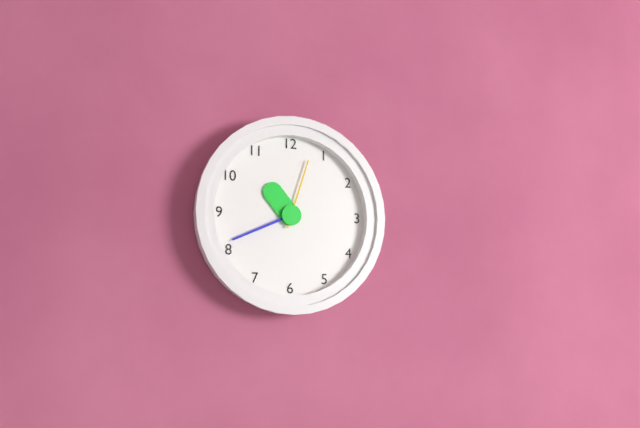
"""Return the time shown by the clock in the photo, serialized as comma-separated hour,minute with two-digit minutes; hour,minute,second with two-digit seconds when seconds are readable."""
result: 10,41,03
